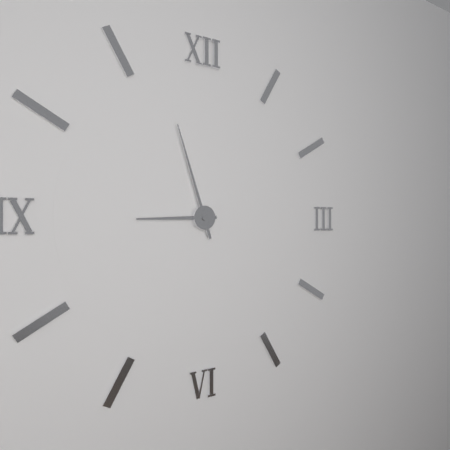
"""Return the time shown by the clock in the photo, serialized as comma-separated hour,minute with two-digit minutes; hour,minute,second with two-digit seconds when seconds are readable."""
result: 8,57
